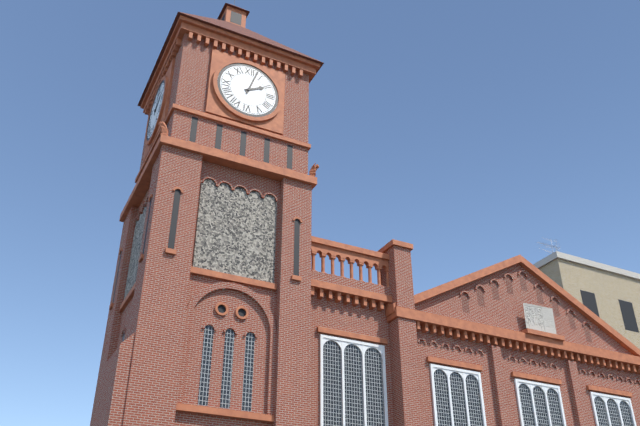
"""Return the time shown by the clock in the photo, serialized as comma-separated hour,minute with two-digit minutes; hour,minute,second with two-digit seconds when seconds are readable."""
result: 2,03
